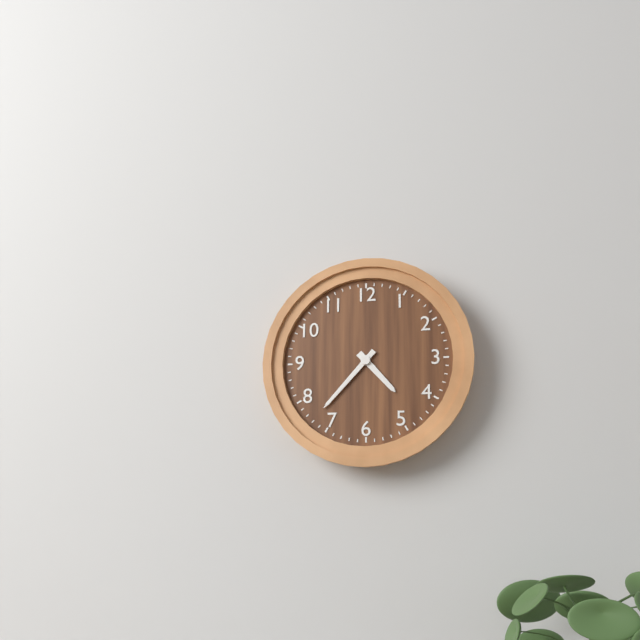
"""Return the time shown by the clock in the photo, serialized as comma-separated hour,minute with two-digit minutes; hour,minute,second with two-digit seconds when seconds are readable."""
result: 4,37
